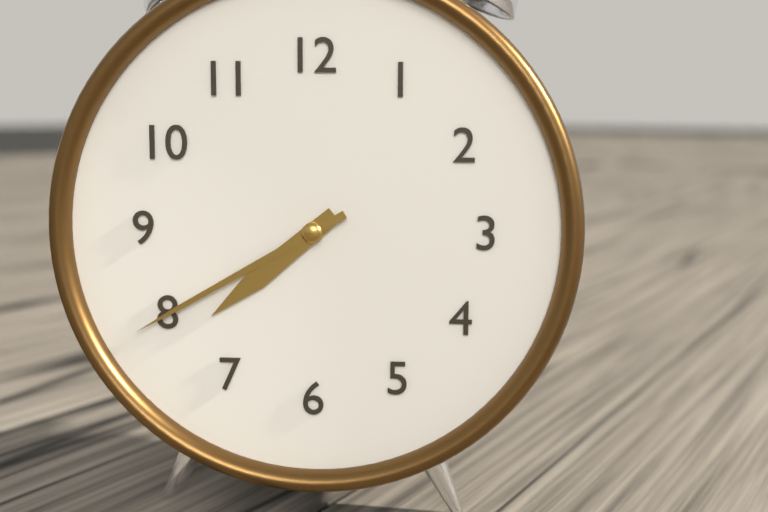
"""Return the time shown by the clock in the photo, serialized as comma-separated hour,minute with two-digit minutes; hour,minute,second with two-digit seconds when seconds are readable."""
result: 7,40
